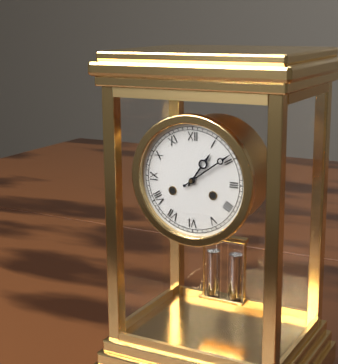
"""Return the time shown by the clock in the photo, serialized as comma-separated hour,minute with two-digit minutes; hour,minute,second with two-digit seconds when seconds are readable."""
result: 1,09
